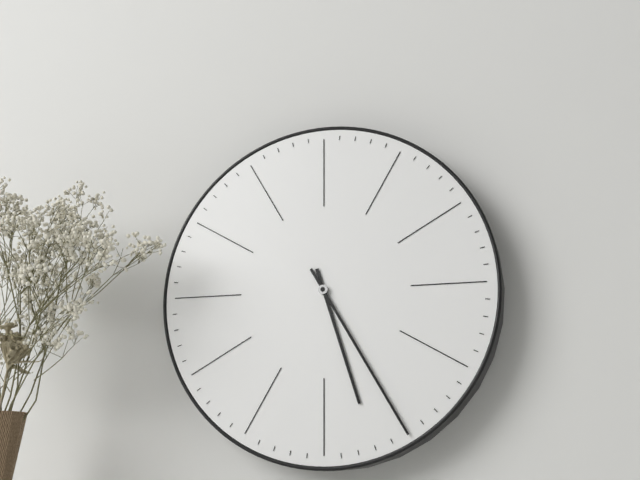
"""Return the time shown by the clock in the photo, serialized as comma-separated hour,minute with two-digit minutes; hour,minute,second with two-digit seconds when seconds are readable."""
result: 5,25
